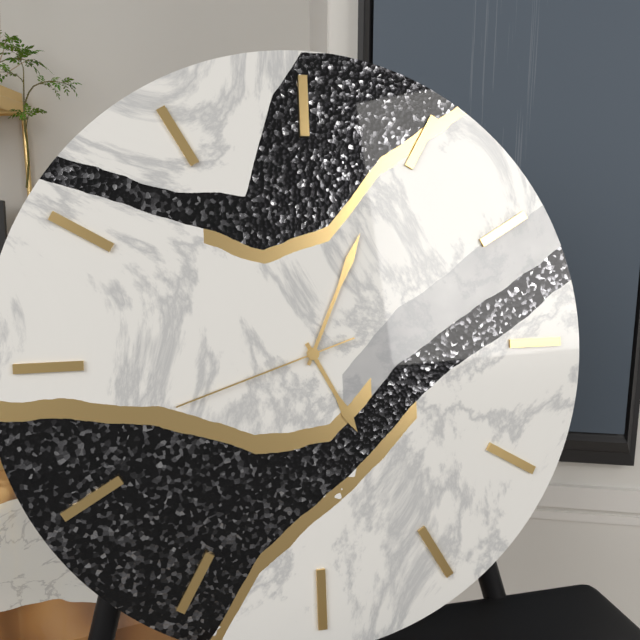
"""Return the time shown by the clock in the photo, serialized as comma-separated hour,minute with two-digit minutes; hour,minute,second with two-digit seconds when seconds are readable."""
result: 5,04,42
